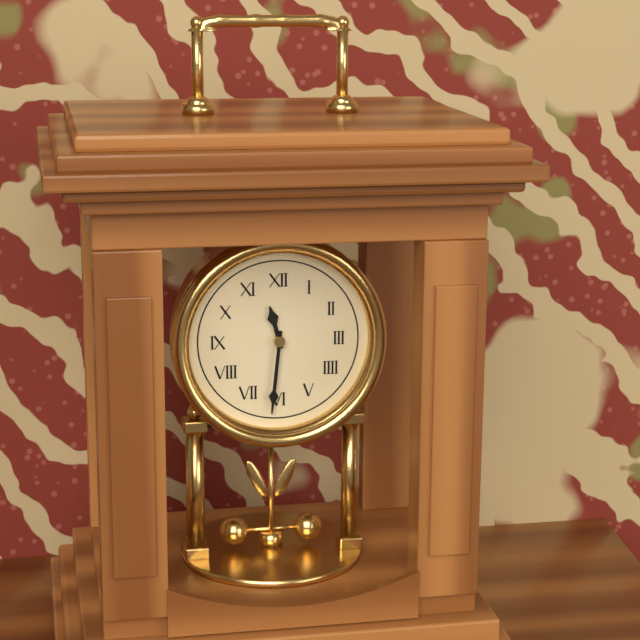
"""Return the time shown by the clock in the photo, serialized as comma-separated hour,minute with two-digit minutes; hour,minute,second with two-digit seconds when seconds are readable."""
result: 11,31
